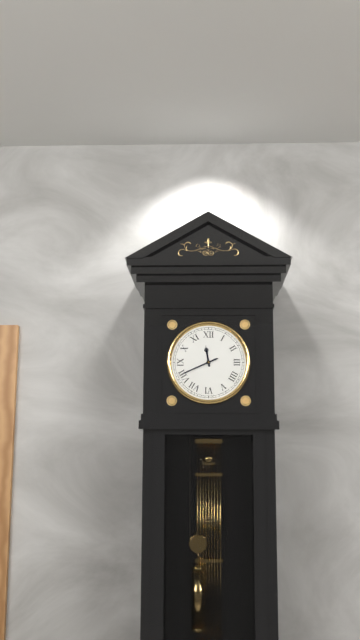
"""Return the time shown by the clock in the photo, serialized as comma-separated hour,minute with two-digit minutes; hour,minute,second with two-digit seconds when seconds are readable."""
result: 11,41
